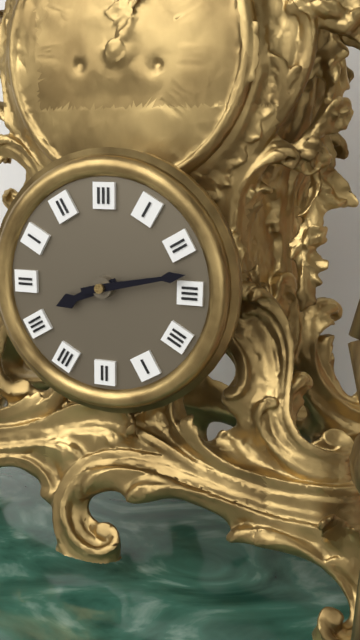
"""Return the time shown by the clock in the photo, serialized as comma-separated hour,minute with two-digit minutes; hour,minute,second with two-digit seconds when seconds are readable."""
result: 8,13
